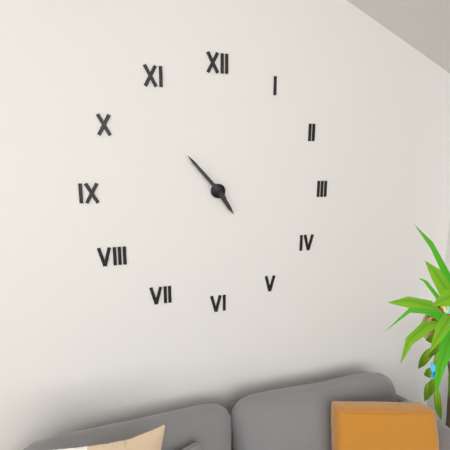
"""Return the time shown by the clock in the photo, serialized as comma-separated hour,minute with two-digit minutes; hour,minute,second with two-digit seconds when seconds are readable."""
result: 4,53
